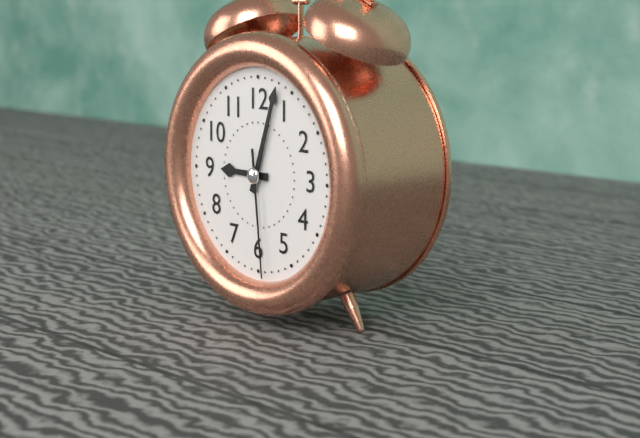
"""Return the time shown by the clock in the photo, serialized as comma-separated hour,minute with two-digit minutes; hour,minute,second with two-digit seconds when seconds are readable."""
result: 9,03,29
